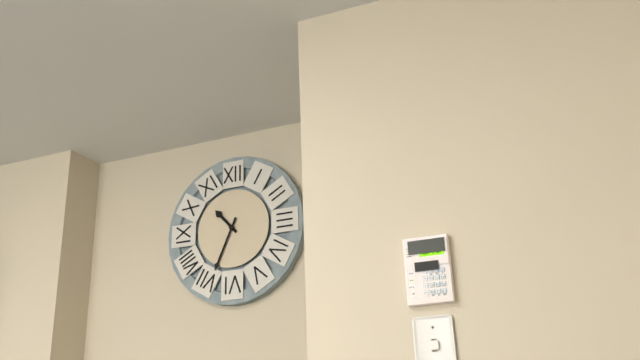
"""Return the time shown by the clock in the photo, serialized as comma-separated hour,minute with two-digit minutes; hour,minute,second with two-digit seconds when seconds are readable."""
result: 10,34
